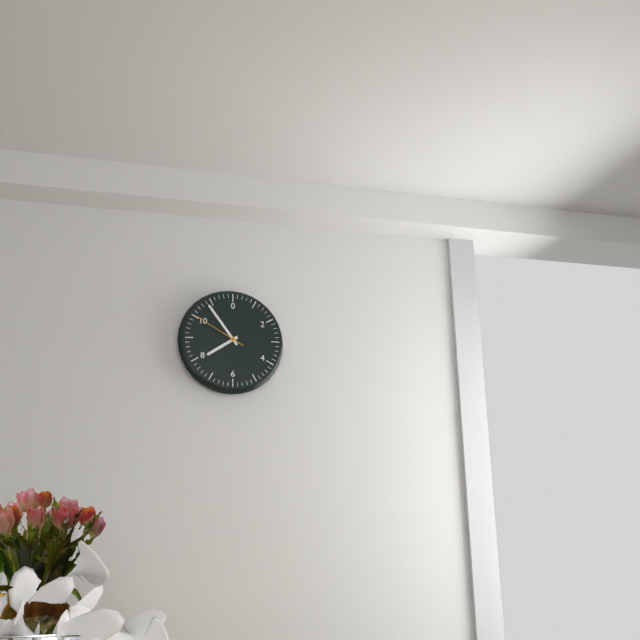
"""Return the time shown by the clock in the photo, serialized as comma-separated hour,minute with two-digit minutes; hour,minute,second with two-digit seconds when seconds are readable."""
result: 7,54,50
